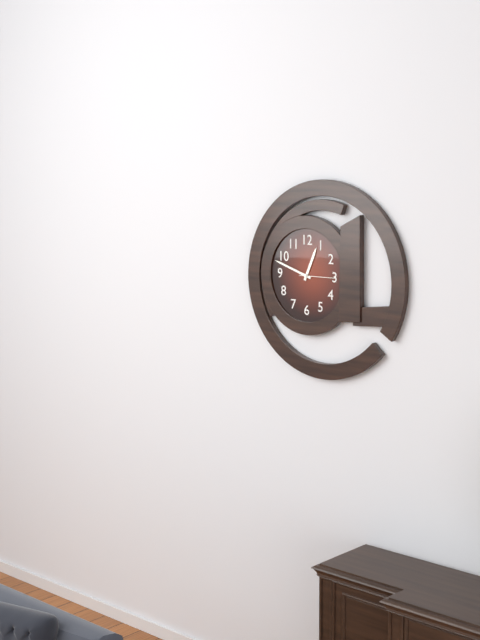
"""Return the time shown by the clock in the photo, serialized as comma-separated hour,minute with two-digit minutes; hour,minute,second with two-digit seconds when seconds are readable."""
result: 12,48
